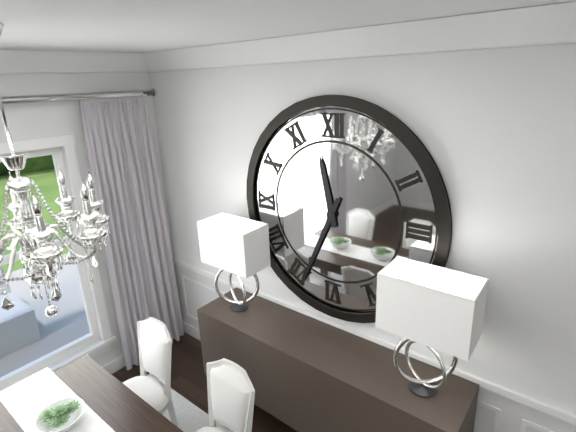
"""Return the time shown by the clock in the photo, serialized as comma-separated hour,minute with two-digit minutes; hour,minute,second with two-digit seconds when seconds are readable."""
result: 11,34
